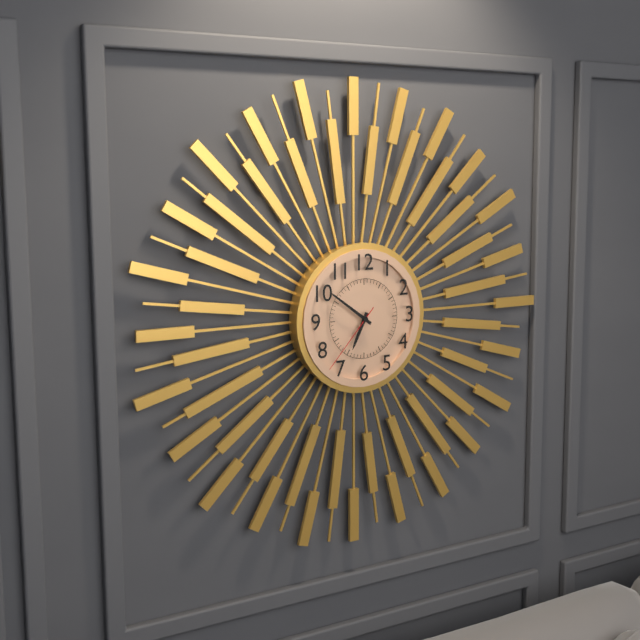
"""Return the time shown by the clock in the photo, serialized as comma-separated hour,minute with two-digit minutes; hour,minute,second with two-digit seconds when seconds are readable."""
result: 6,51,37
